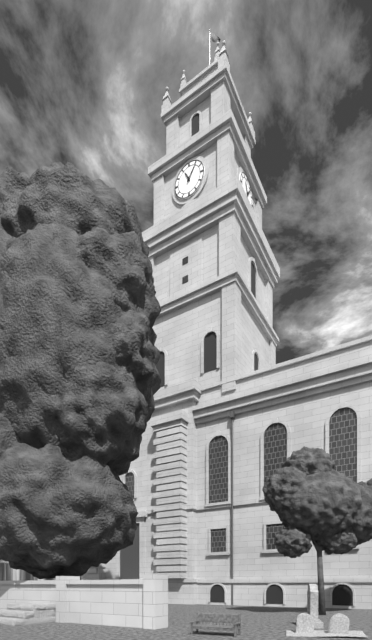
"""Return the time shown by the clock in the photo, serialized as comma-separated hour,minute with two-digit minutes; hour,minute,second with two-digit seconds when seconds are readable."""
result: 11,06
